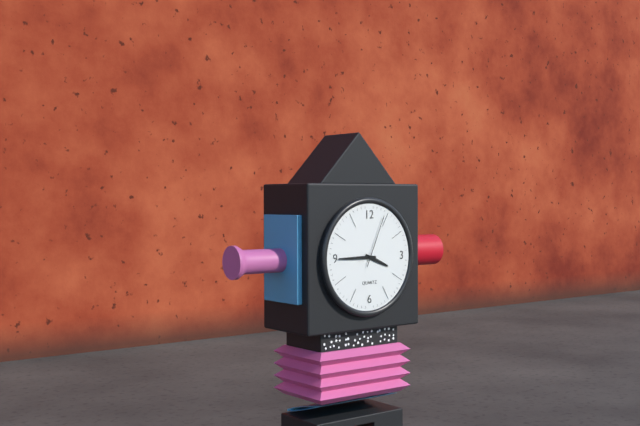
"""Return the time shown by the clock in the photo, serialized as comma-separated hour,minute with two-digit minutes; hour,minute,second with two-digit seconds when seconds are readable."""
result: 3,45,04
